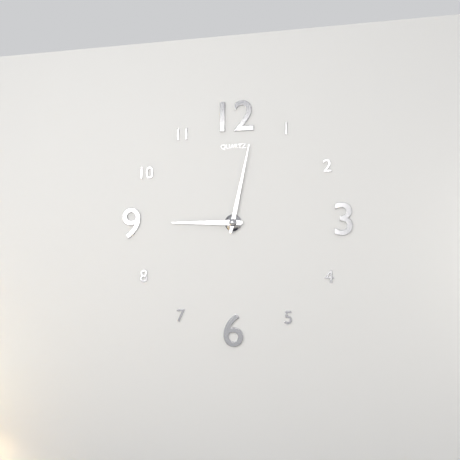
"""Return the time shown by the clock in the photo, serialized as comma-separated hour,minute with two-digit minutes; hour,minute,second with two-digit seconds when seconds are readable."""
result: 9,02
